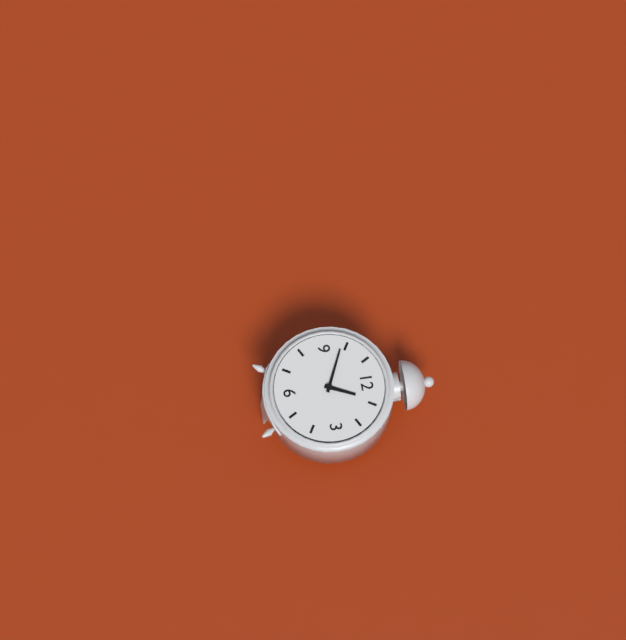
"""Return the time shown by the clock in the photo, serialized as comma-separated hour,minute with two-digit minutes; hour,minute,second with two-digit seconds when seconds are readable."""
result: 12,49
